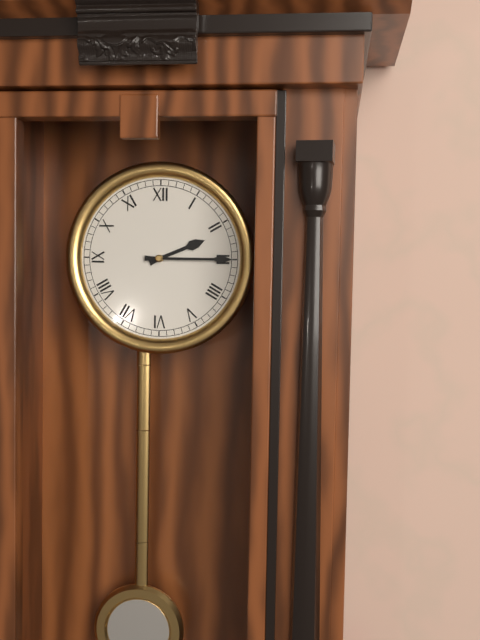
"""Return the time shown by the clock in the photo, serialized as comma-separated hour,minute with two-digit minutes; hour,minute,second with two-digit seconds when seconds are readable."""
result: 2,15
